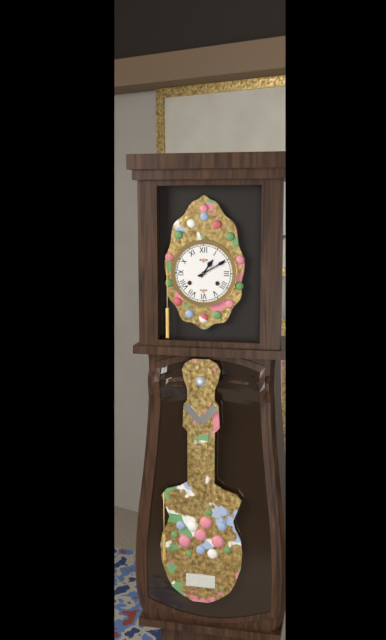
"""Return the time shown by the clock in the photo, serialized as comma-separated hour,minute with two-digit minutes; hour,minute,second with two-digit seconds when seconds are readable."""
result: 1,10
